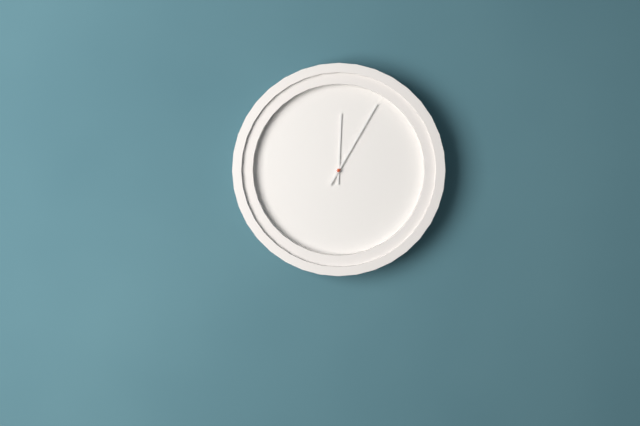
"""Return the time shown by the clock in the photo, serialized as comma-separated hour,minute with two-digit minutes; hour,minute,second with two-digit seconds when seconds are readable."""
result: 12,05
